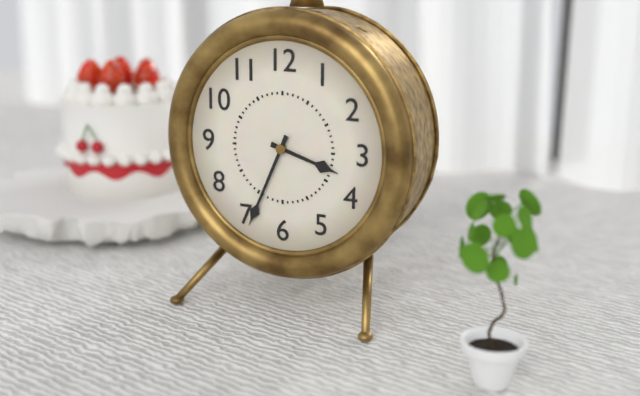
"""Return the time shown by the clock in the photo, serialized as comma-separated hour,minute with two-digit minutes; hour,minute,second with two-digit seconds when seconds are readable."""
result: 3,34
